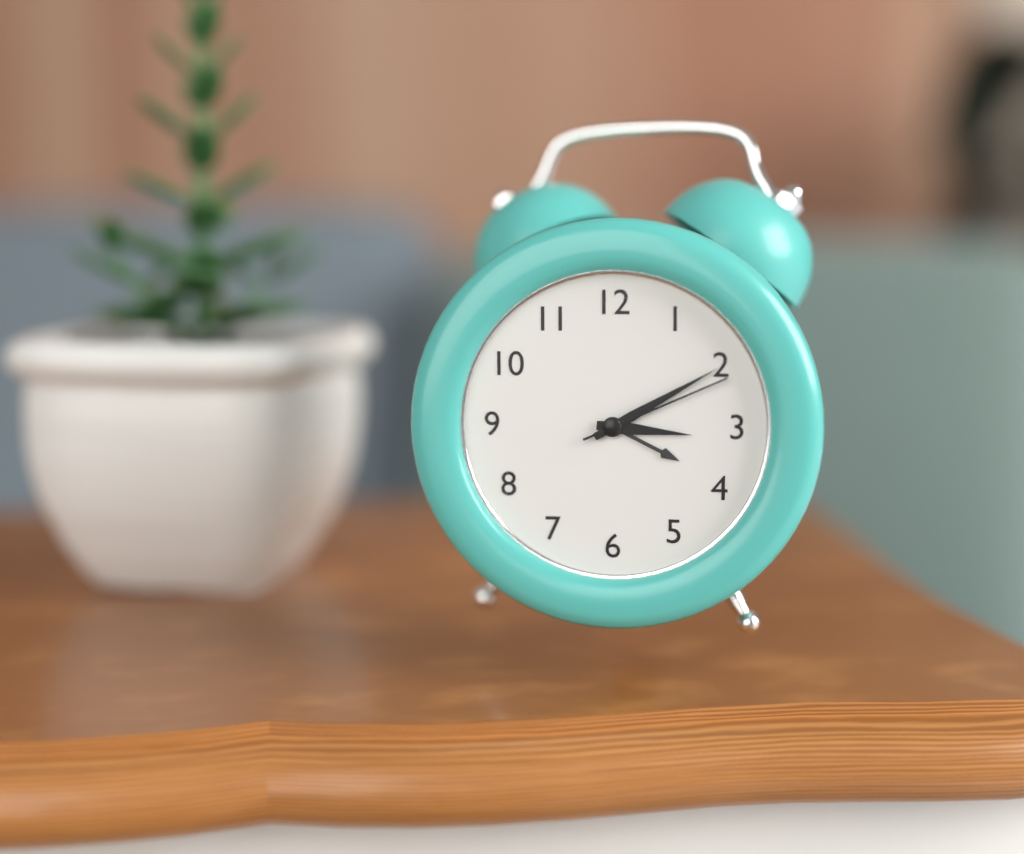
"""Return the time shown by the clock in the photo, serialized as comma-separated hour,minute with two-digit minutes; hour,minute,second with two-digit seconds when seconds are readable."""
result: 3,10,11
